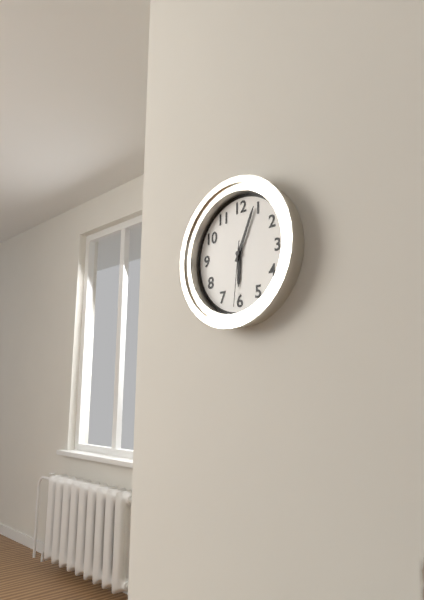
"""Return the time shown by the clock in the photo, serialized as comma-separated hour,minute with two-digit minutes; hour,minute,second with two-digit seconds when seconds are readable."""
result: 6,04,31
